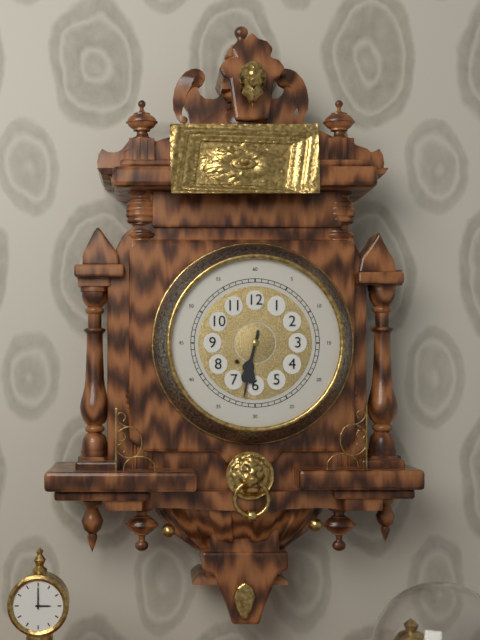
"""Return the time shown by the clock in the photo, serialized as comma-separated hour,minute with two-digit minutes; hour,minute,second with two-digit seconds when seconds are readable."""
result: 6,32
